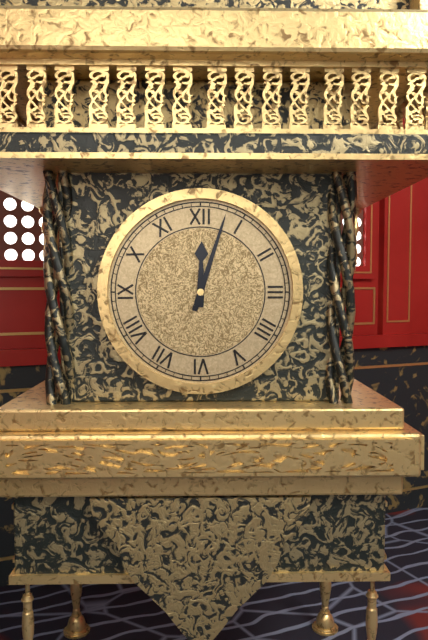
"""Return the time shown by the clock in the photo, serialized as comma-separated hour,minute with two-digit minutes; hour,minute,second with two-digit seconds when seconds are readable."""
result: 12,03
